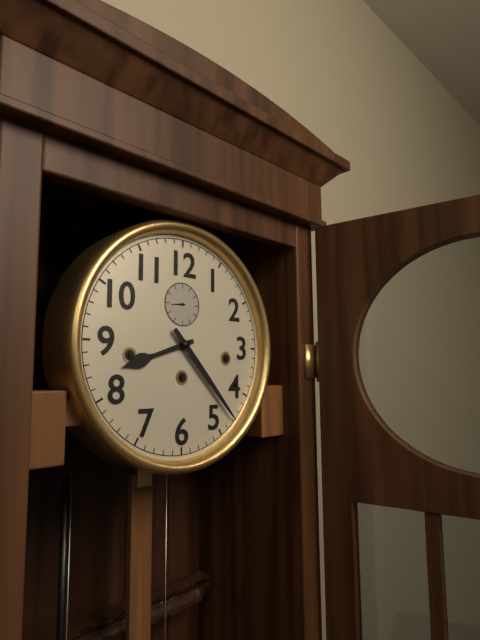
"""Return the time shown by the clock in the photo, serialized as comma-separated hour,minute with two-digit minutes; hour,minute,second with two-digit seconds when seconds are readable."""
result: 8,23
